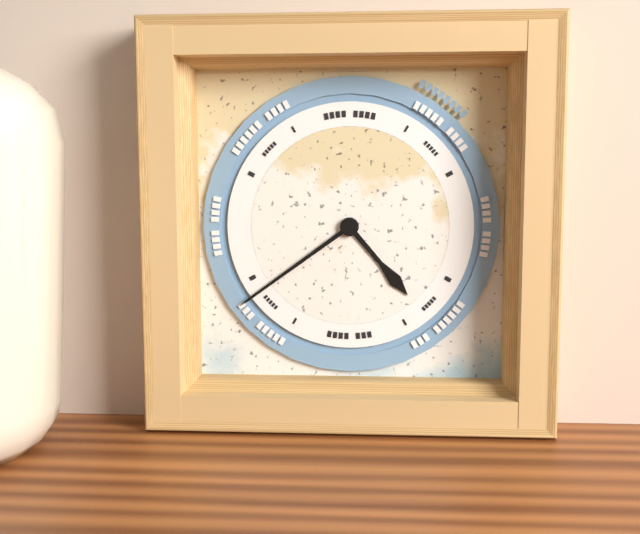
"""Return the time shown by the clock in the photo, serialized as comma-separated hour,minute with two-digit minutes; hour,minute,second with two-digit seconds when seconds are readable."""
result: 4,39
